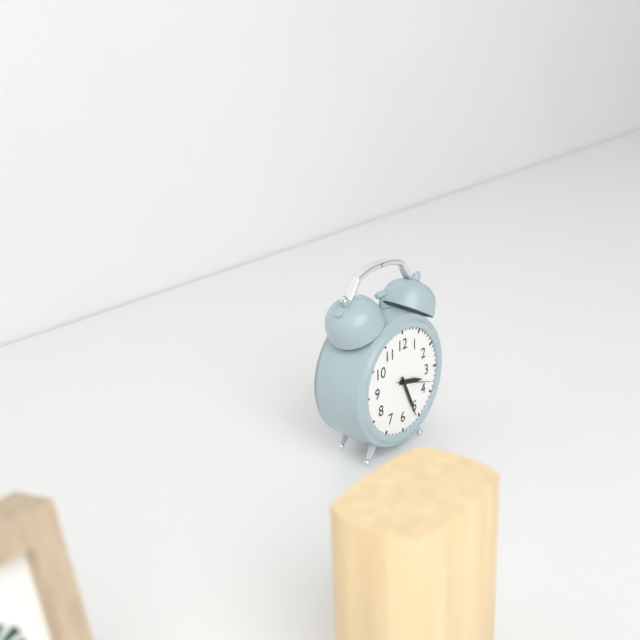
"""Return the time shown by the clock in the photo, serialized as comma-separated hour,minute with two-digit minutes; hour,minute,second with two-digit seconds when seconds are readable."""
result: 3,26
